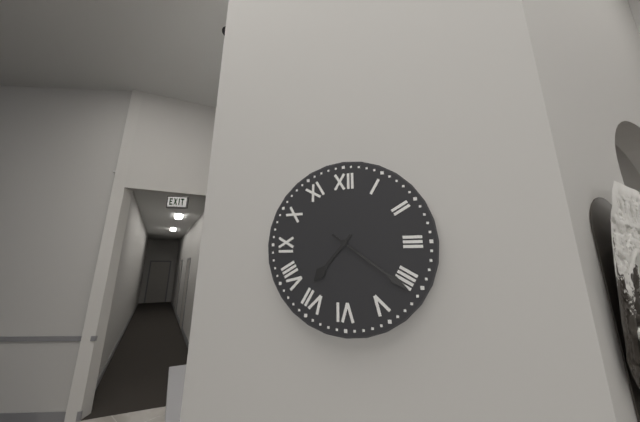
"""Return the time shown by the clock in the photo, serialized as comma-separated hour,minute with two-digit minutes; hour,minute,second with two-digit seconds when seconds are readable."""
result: 7,21
